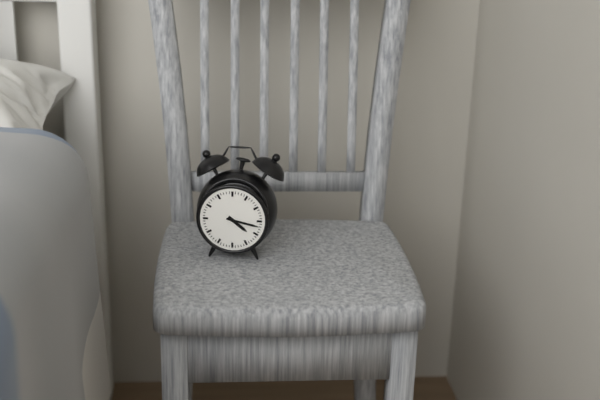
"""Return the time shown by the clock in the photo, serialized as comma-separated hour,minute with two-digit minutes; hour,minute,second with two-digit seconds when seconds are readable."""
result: 4,17
